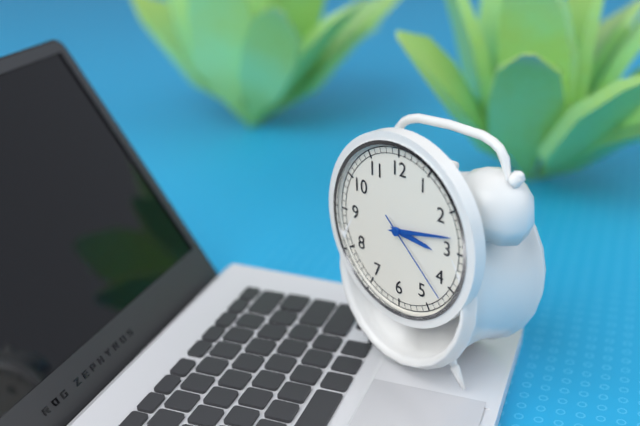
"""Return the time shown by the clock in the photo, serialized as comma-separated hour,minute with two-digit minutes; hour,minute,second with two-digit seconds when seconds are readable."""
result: 3,13,22
